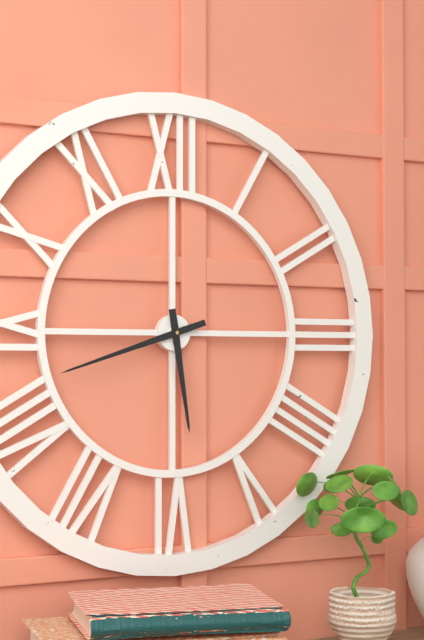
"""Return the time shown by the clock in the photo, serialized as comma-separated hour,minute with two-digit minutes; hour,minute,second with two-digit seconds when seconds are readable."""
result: 5,42
